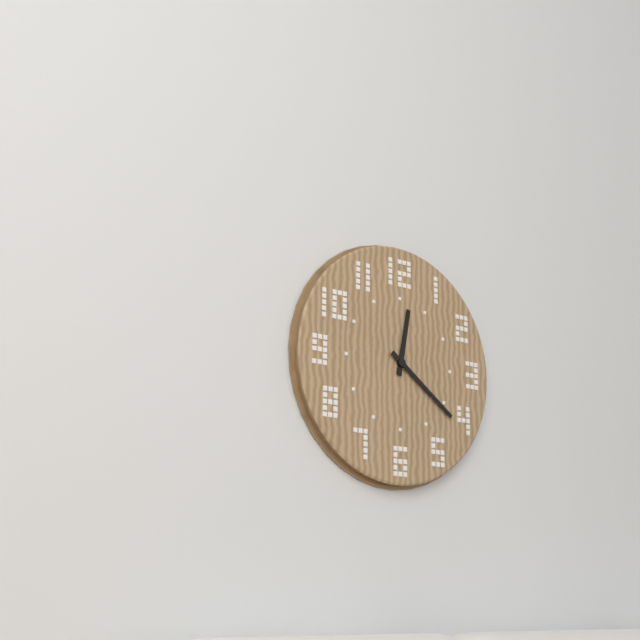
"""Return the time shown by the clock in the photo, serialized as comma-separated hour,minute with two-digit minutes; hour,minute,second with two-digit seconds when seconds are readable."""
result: 12,21
